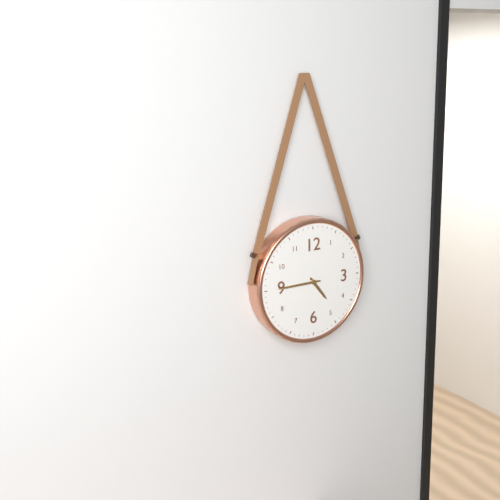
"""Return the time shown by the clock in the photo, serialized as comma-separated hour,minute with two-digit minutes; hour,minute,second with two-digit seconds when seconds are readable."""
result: 4,45
